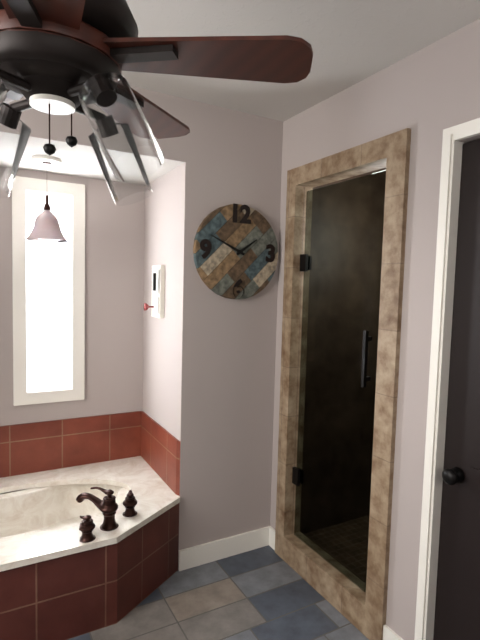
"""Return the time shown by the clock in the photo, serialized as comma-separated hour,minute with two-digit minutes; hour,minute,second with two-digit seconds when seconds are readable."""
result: 1,49
